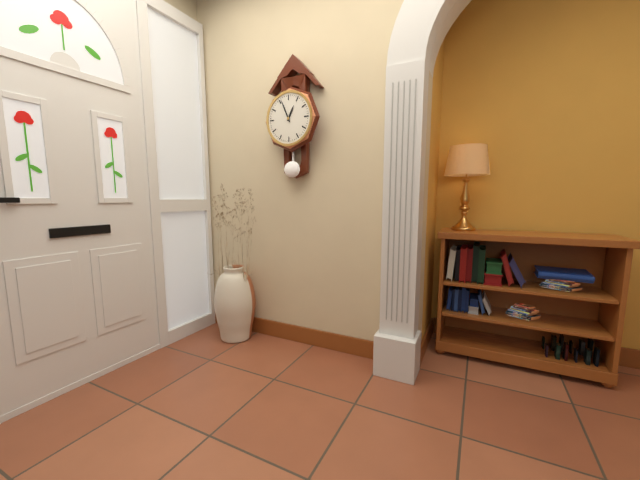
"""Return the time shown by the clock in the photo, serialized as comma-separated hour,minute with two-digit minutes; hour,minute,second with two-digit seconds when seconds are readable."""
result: 12,56
